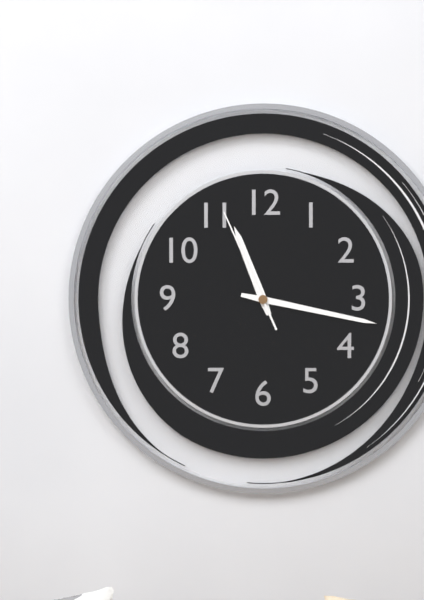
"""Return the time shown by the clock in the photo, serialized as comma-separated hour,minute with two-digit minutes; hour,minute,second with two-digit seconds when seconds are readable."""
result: 11,17,56
